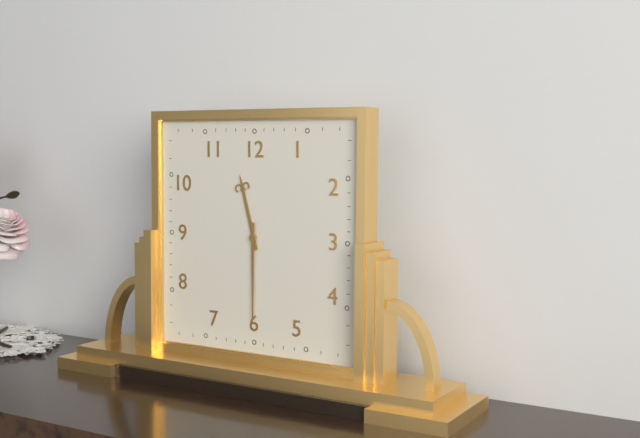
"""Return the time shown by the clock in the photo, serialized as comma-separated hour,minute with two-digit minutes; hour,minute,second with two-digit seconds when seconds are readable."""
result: 11,30
